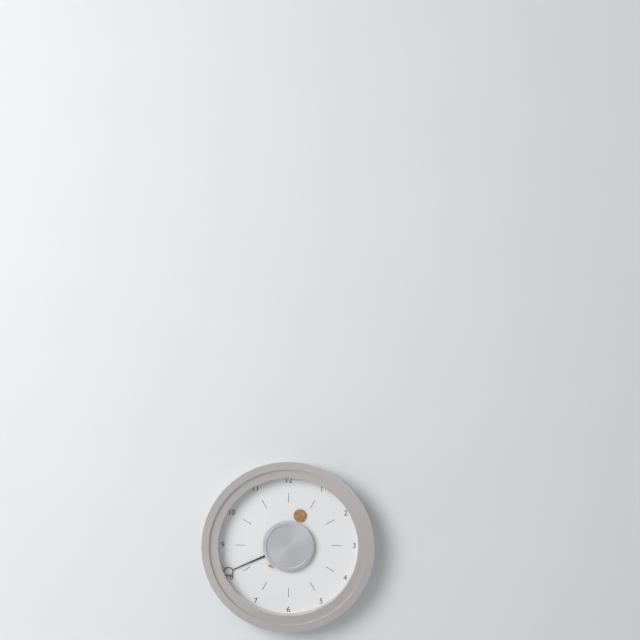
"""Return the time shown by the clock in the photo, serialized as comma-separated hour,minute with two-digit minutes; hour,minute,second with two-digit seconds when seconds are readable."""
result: 12,41
